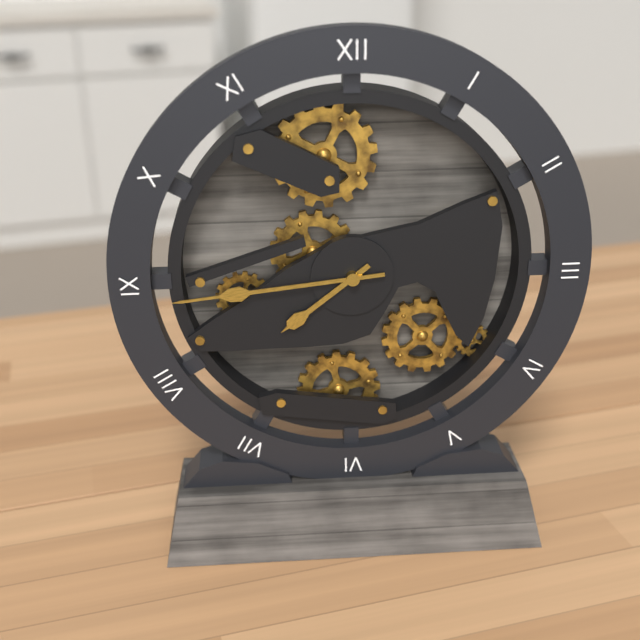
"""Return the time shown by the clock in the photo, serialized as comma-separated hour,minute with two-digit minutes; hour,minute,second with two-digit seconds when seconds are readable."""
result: 7,44
